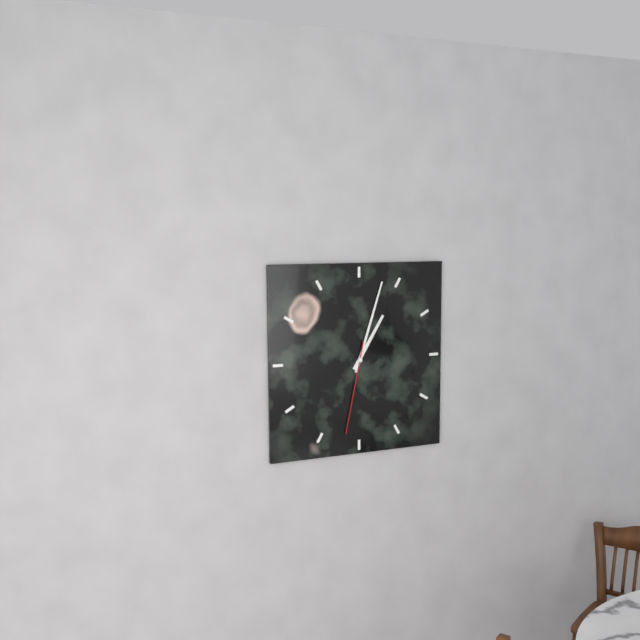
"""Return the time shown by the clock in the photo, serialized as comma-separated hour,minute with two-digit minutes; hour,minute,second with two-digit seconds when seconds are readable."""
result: 1,03,32
